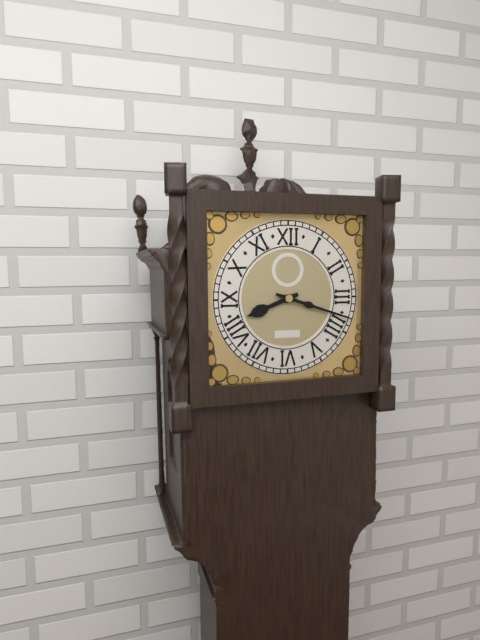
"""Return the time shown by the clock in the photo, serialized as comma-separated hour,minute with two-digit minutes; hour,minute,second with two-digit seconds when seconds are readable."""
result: 8,18
